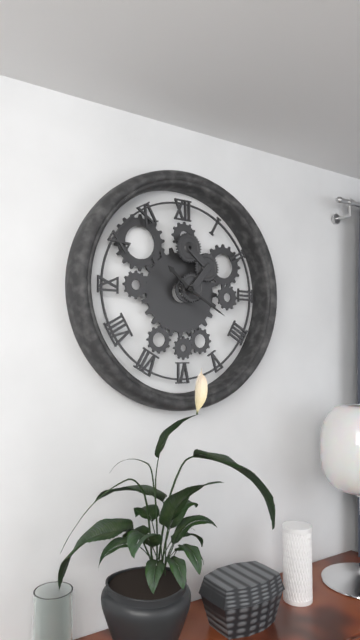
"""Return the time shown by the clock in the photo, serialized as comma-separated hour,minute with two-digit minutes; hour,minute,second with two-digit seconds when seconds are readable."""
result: 10,20
